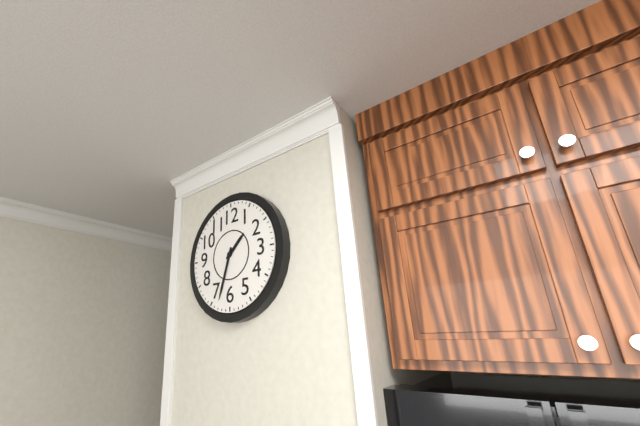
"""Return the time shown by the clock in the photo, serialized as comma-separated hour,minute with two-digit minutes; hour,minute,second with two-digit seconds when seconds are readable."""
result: 1,33
